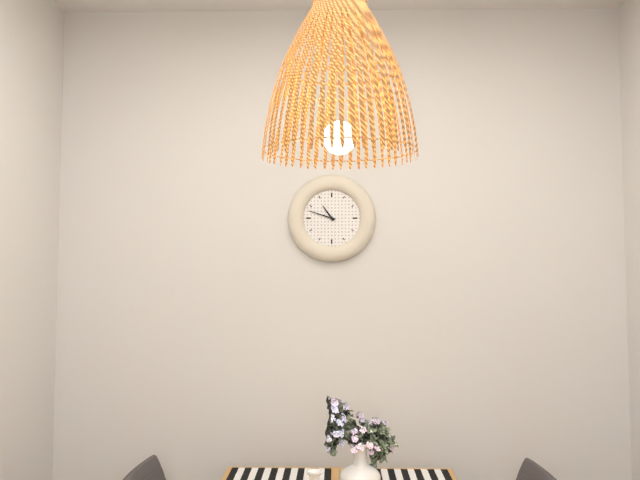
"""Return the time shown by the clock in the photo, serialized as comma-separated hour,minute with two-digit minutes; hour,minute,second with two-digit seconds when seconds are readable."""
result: 10,48
